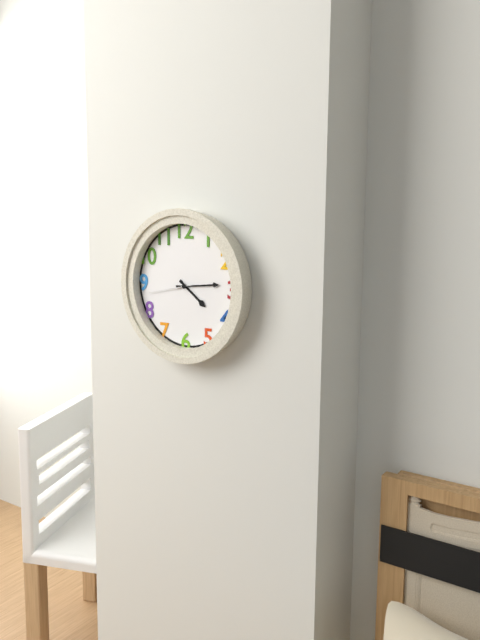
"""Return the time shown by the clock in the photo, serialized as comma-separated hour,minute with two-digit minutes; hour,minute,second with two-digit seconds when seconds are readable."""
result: 4,14
